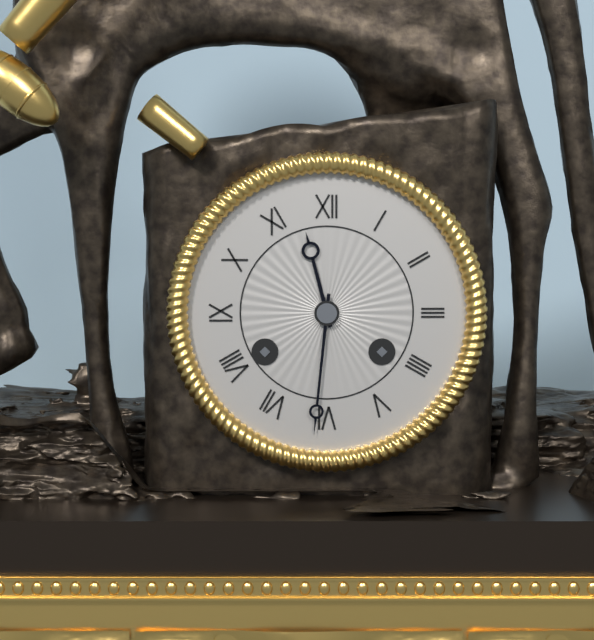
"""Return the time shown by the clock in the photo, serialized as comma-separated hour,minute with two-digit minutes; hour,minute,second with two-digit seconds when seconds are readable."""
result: 11,31
